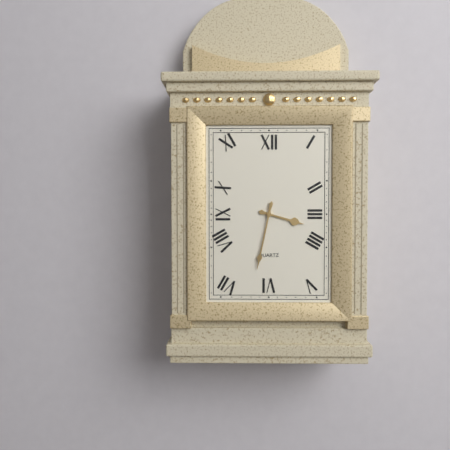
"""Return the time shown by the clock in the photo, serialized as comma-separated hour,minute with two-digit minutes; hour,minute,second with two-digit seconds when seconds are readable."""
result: 3,32
